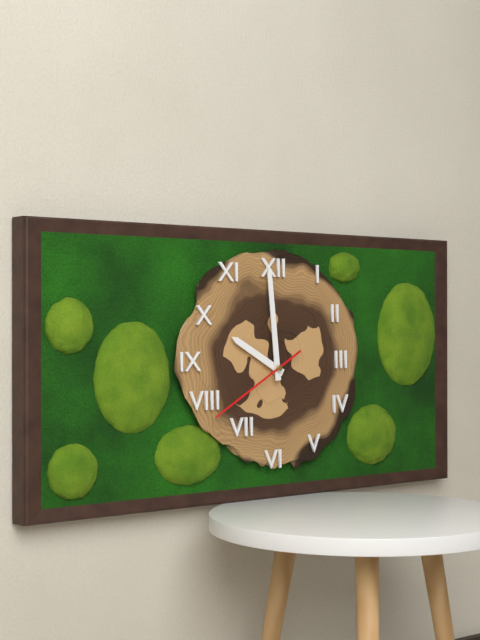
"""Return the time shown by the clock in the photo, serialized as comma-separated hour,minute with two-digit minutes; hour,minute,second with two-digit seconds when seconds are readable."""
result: 9,59,40
